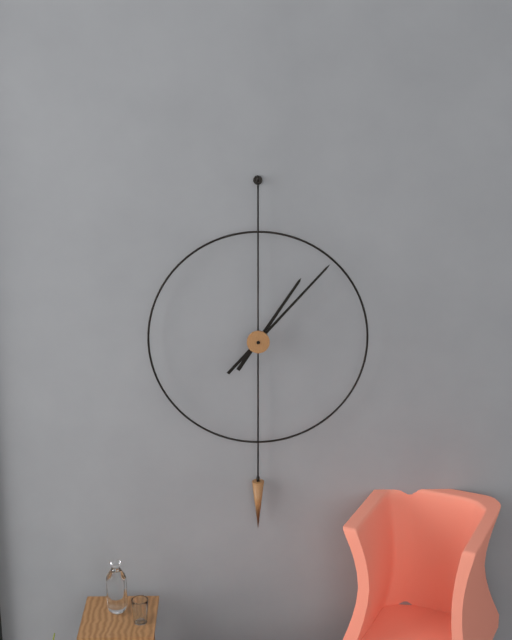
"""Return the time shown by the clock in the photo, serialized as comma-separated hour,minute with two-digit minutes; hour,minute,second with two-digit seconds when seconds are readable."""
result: 1,07
